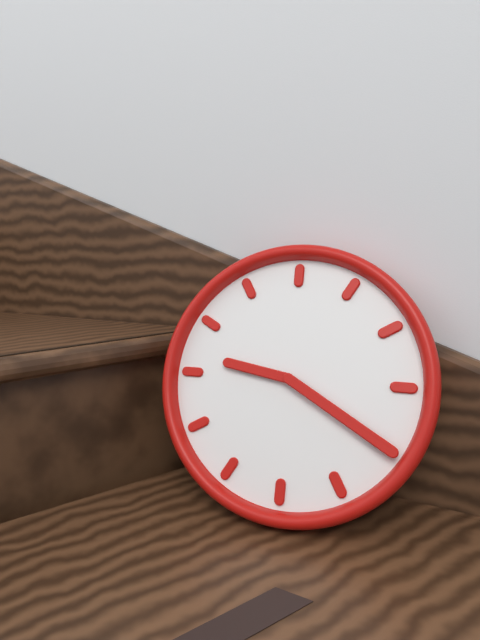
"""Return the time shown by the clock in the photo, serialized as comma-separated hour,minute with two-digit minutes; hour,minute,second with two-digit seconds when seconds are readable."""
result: 9,20
